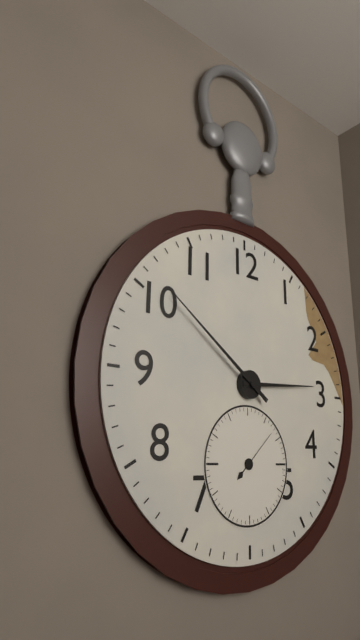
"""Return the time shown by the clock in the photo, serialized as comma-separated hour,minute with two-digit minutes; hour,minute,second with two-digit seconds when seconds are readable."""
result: 2,51
